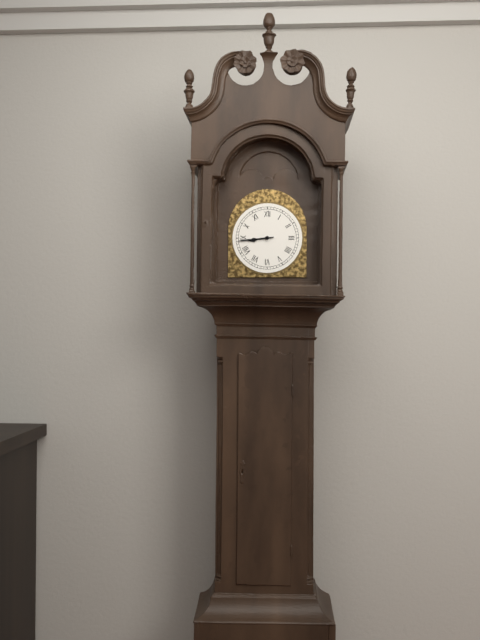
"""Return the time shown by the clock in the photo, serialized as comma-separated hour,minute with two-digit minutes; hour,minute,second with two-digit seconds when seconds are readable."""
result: 8,44
